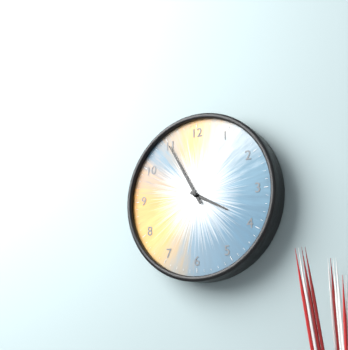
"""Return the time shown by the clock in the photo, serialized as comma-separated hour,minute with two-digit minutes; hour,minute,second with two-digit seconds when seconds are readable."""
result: 3,55
